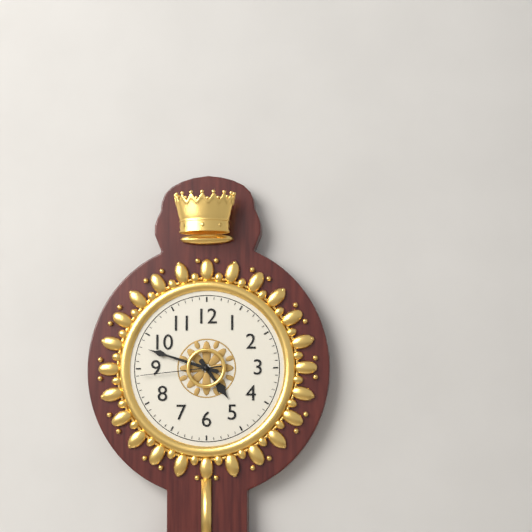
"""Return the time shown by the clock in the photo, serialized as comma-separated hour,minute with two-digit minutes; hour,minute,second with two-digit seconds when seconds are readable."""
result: 4,48,44
